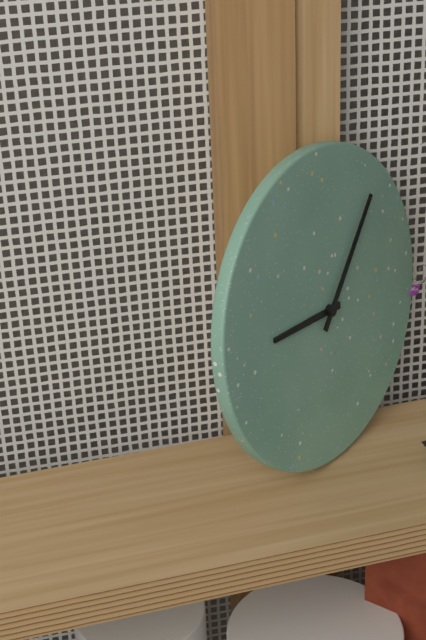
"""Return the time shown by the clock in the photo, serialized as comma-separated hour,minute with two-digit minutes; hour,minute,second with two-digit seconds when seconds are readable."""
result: 9,07
